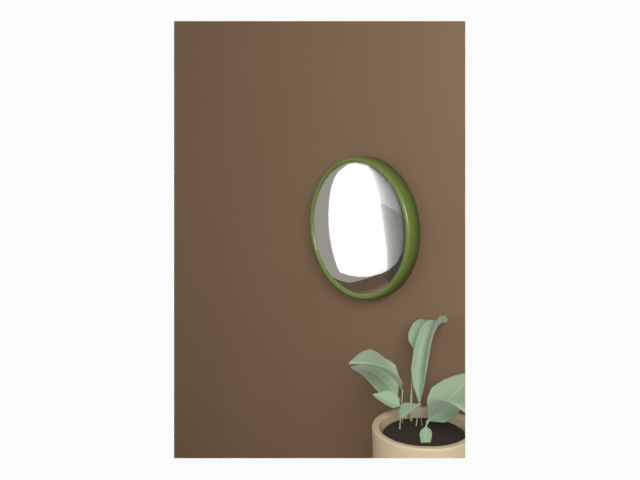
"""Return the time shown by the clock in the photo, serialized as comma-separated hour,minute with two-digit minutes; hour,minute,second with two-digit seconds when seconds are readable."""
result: 4,46
